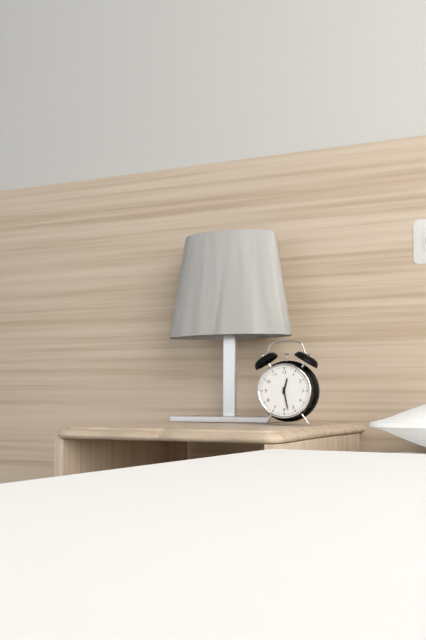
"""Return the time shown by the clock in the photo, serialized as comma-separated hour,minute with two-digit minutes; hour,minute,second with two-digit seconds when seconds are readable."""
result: 12,28
